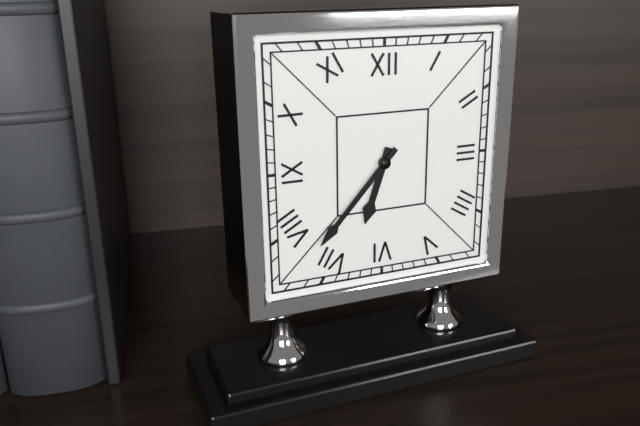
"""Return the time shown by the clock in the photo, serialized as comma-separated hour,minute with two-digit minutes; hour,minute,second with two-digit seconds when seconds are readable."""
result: 6,37
